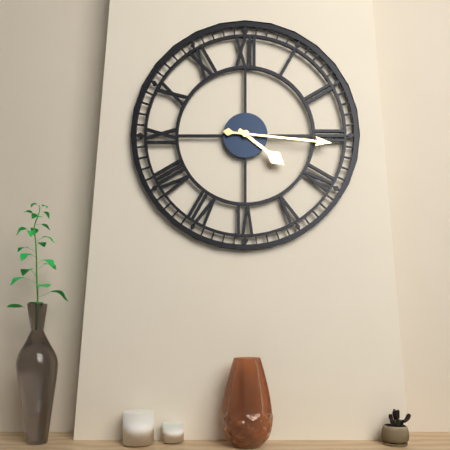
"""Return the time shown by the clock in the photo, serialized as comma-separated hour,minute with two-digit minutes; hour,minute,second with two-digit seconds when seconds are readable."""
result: 4,16
